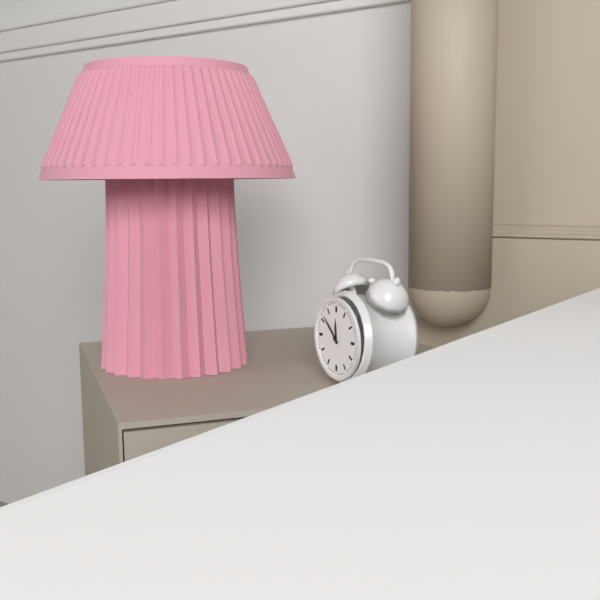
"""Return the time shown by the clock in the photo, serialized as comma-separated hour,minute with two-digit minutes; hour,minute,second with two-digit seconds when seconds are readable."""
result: 11,52
